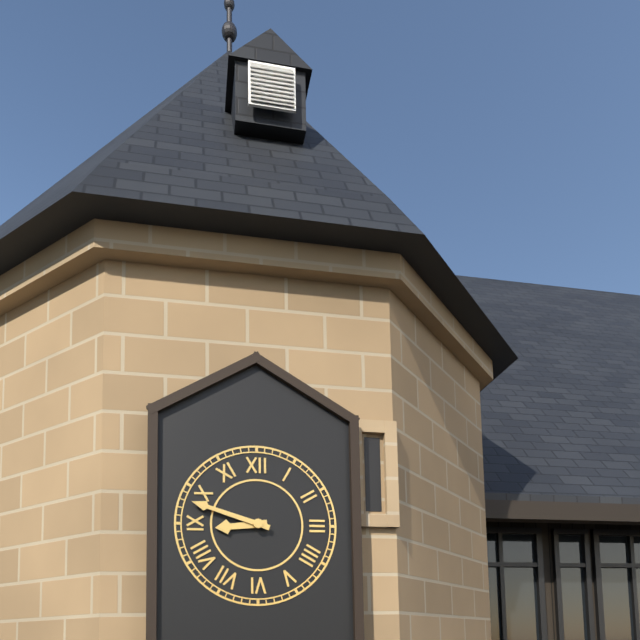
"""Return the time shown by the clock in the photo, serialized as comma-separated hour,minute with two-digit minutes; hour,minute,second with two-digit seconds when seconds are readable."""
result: 8,48
